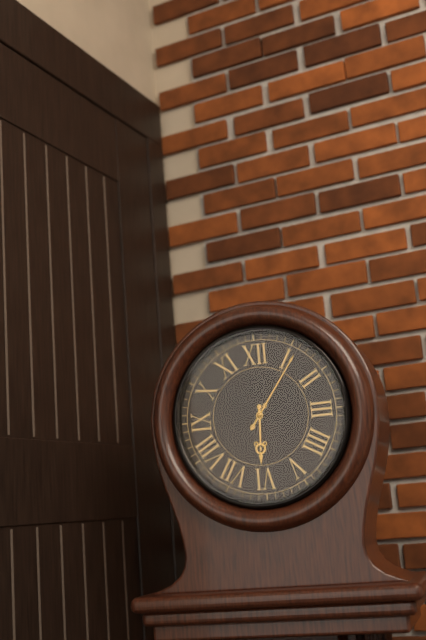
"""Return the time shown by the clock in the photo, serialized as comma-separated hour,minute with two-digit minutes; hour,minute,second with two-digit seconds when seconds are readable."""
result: 6,06
